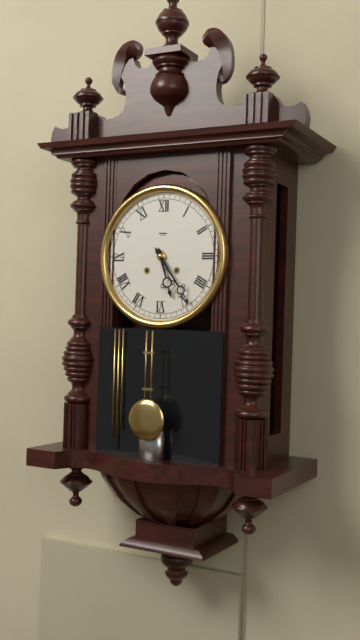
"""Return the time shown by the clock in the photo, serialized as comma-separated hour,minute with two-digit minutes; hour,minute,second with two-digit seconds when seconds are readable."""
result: 5,24
